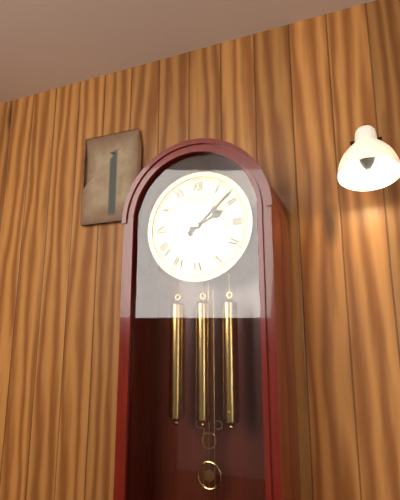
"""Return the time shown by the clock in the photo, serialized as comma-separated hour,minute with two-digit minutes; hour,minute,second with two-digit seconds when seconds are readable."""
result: 2,08
